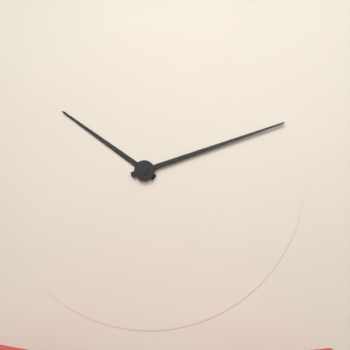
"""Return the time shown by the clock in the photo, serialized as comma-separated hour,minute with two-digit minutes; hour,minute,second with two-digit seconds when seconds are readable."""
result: 10,12
